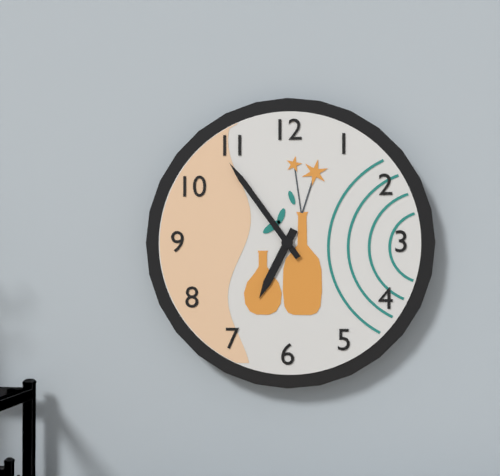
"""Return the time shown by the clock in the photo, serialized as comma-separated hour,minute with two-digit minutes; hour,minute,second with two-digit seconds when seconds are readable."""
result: 6,54
